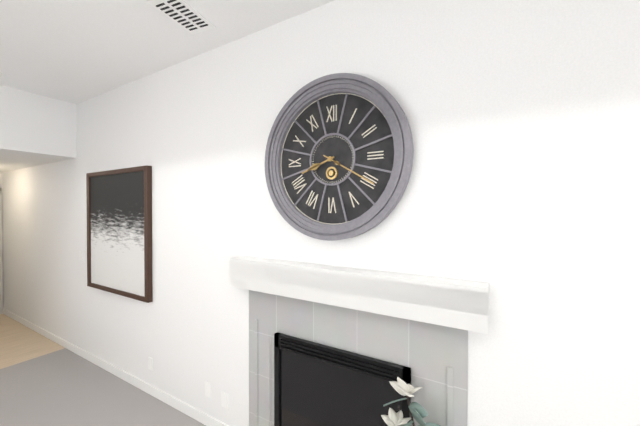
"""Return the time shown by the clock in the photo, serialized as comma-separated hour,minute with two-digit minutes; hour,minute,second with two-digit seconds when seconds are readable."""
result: 8,20
